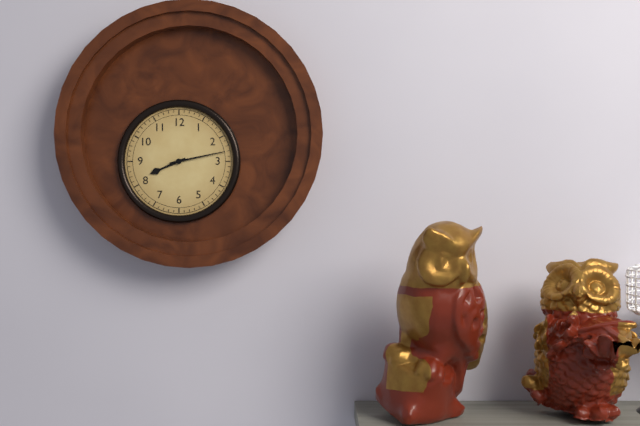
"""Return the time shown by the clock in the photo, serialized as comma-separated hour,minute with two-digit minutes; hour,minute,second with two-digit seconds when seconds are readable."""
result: 8,13
